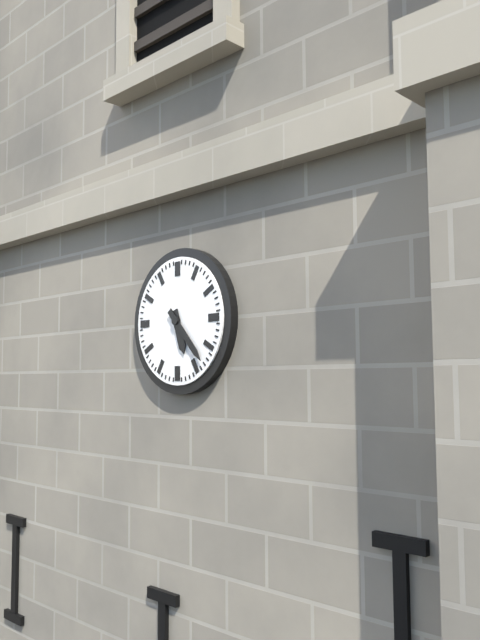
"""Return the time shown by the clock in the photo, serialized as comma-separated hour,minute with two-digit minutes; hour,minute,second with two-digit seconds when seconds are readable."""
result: 5,23
